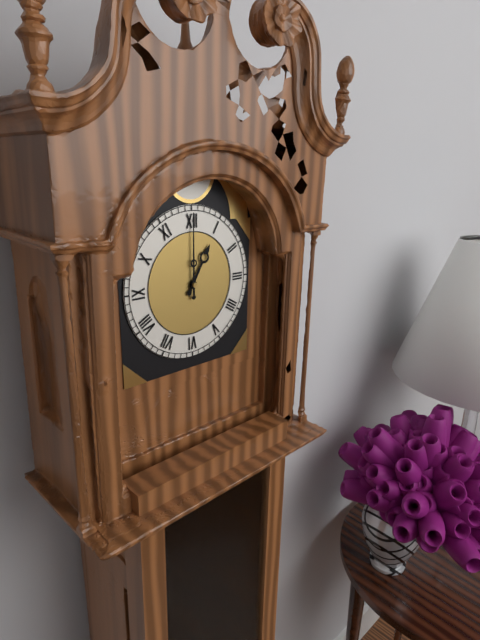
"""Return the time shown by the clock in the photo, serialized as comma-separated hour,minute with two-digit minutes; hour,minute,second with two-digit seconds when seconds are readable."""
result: 1,00
